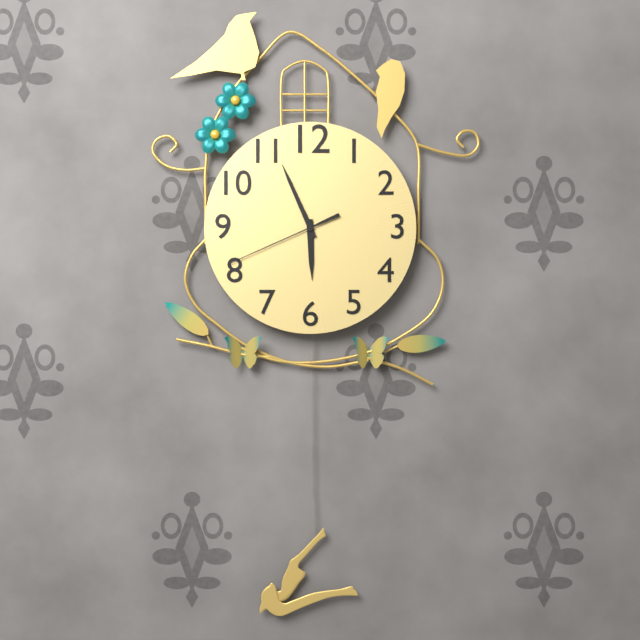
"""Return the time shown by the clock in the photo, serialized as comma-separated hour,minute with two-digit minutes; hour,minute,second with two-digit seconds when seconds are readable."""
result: 5,56,41
